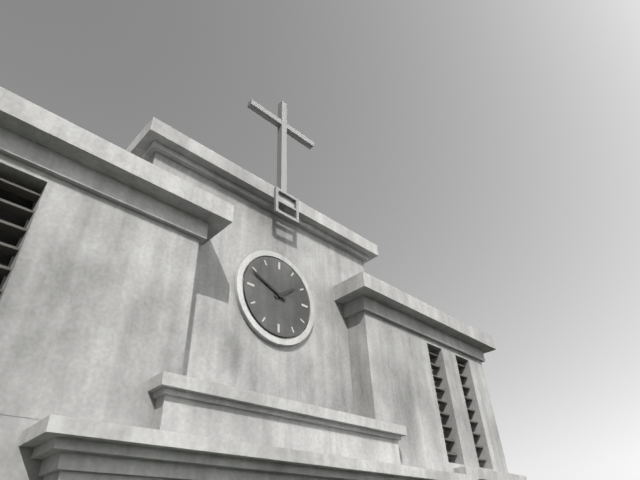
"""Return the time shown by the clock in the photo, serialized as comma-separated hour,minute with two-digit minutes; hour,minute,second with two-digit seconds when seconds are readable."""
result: 1,49
